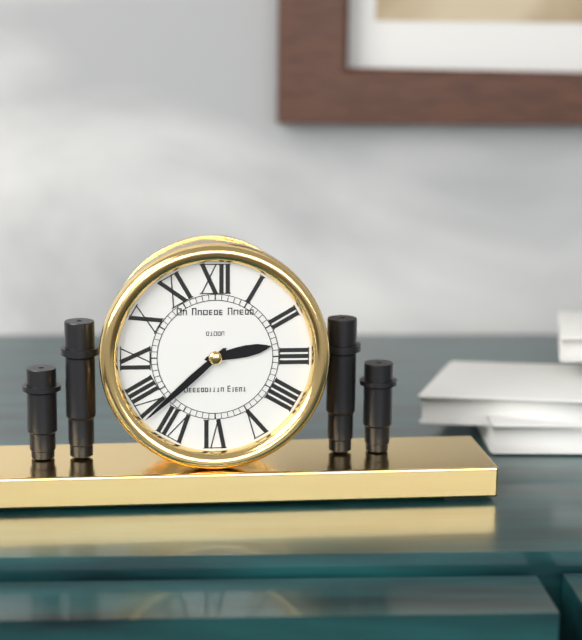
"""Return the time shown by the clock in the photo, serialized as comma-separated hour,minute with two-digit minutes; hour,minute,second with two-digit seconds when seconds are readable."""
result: 2,38
